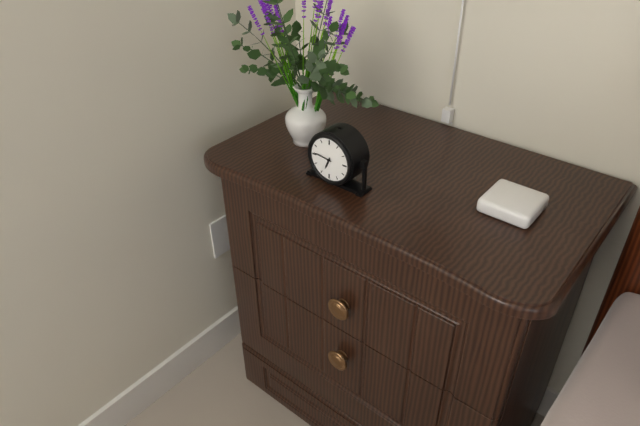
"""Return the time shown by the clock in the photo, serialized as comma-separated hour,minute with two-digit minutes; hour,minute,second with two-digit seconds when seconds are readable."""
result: 6,46
